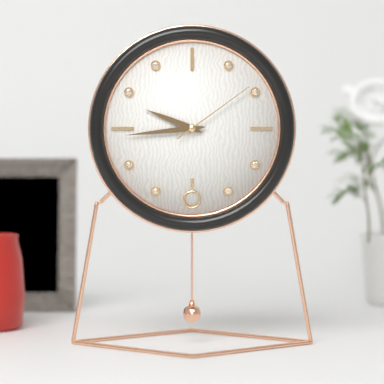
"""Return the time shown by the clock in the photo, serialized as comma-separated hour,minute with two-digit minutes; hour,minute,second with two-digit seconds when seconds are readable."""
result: 9,44,09
